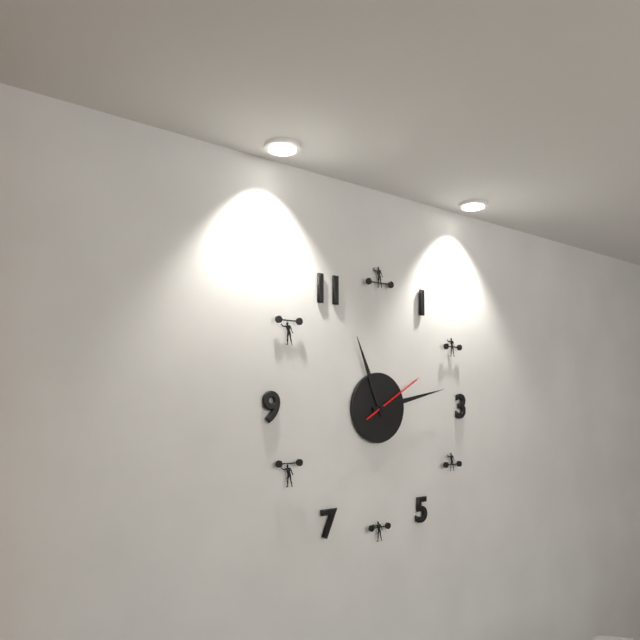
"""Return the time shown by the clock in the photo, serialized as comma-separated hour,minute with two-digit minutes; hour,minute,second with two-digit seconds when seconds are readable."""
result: 11,13,10
